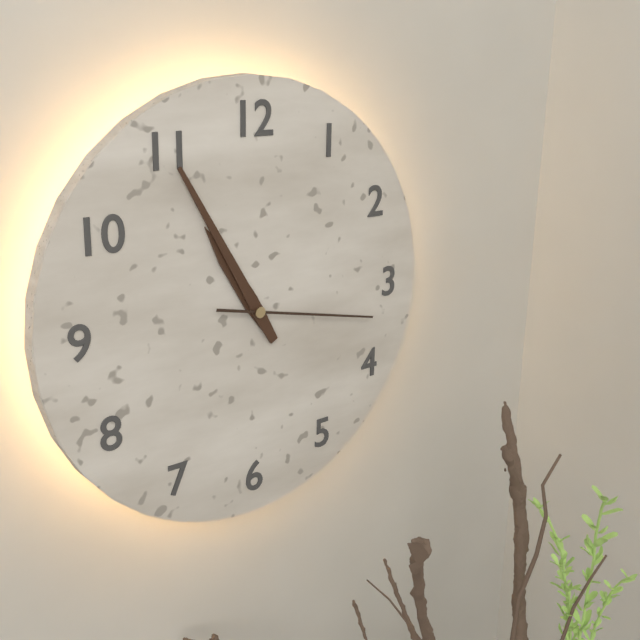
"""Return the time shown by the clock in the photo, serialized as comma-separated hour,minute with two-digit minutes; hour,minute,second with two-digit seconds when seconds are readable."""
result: 10,55,17
